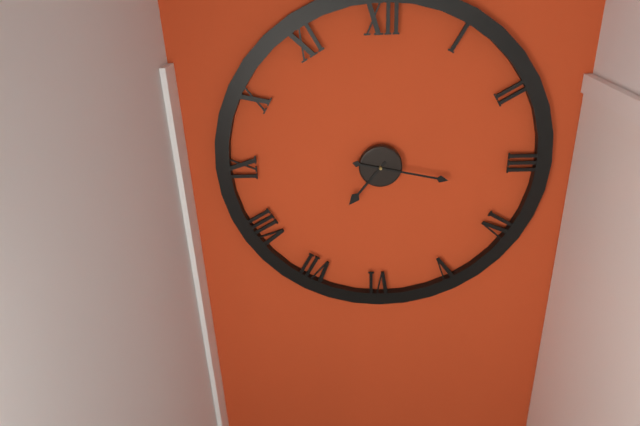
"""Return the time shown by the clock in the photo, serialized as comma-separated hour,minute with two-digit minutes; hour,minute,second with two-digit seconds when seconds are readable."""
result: 7,17
